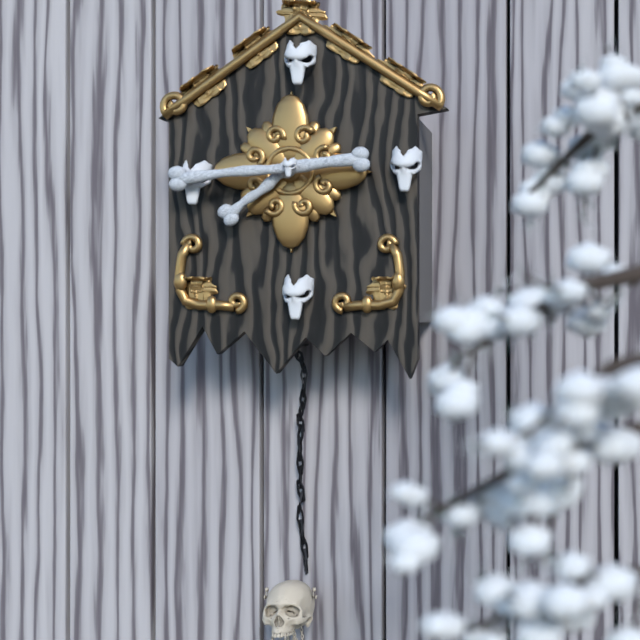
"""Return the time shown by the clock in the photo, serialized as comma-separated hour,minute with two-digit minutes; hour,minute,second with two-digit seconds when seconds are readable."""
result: 7,44
